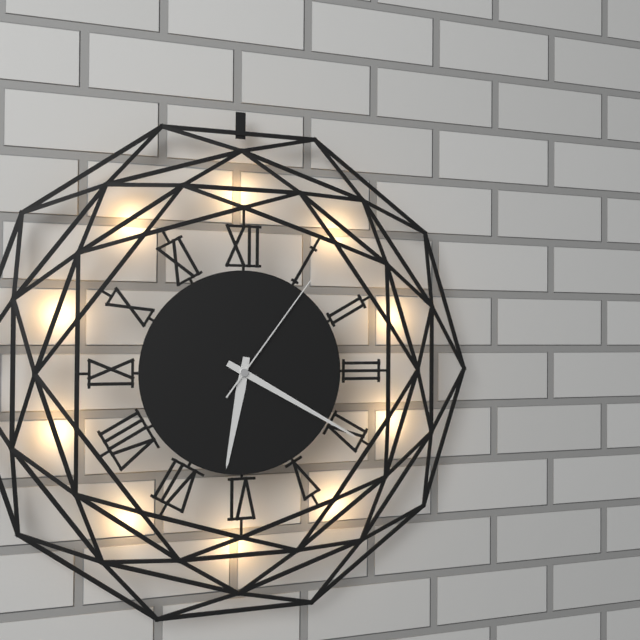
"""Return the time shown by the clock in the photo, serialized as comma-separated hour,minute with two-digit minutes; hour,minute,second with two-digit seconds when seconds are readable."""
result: 6,20,06
